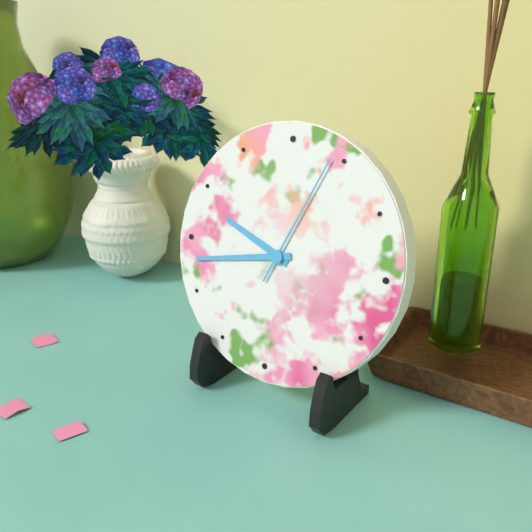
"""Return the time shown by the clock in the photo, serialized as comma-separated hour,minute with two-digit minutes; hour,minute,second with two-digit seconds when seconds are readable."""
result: 9,43,04
